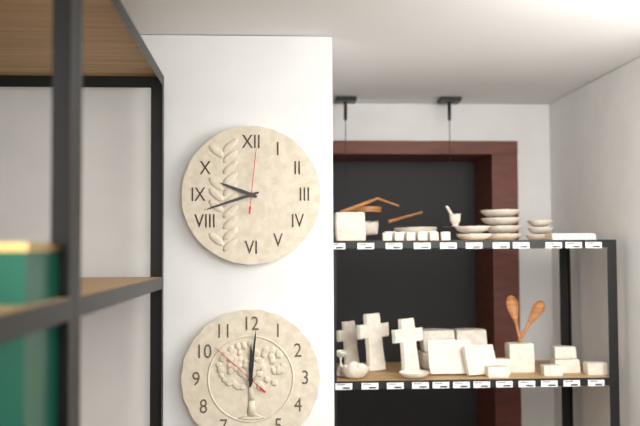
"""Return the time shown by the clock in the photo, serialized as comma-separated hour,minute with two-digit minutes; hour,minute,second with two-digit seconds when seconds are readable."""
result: 9,42,01
